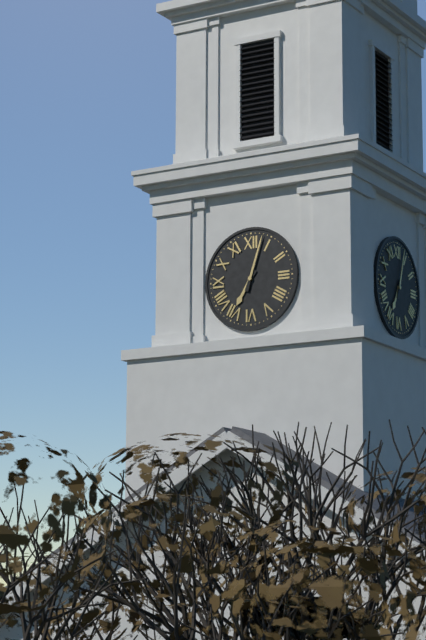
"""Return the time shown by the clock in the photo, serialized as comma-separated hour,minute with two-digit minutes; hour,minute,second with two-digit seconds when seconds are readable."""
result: 7,03
